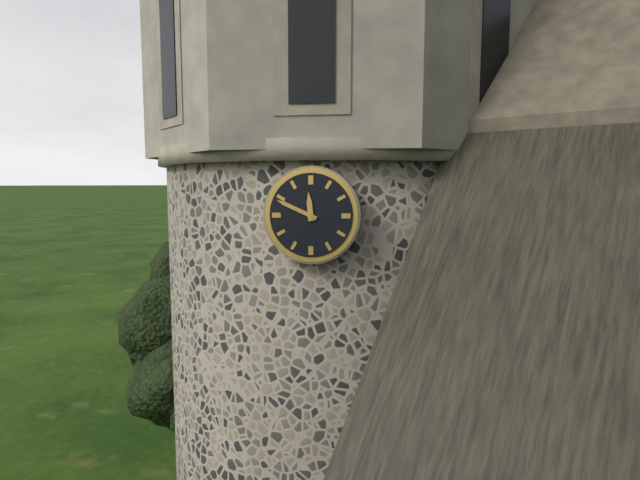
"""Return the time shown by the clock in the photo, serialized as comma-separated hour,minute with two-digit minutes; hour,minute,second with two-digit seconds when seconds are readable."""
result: 11,49
